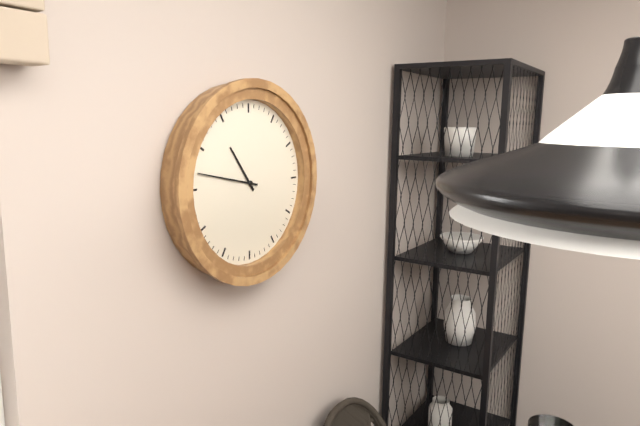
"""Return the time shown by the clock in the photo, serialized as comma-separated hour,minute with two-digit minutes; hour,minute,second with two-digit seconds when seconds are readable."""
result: 10,47
